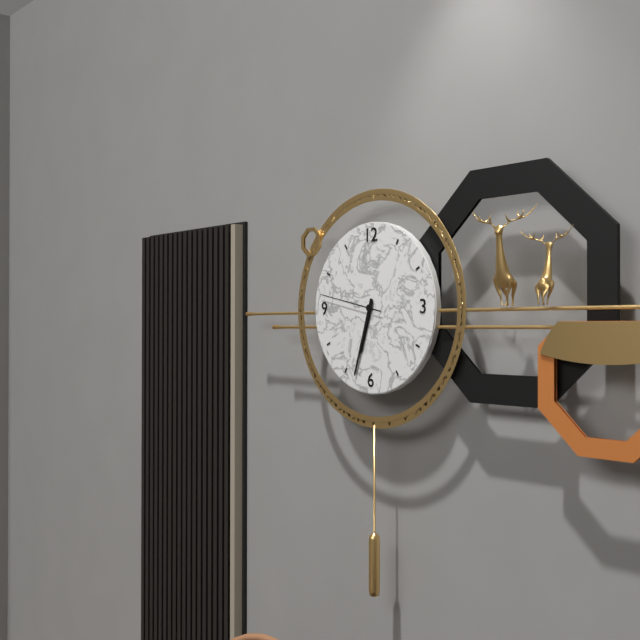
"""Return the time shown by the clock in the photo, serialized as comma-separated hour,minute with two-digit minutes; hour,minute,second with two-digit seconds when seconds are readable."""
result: 6,33,47
